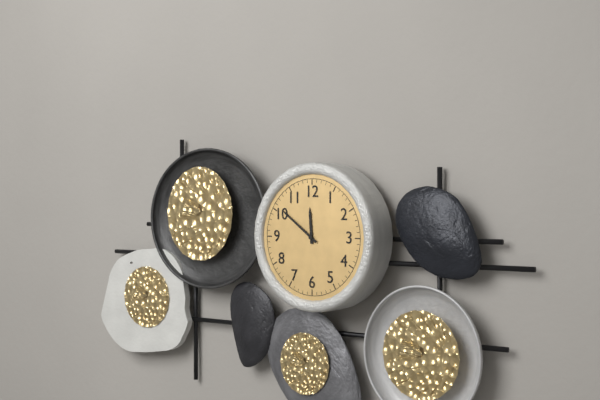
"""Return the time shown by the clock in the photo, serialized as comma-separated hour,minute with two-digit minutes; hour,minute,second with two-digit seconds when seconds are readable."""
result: 11,51
